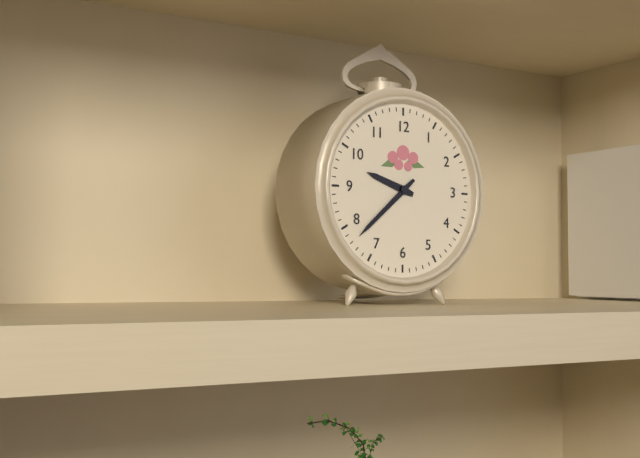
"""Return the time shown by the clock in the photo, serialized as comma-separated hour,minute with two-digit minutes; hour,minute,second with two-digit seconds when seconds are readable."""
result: 9,38
